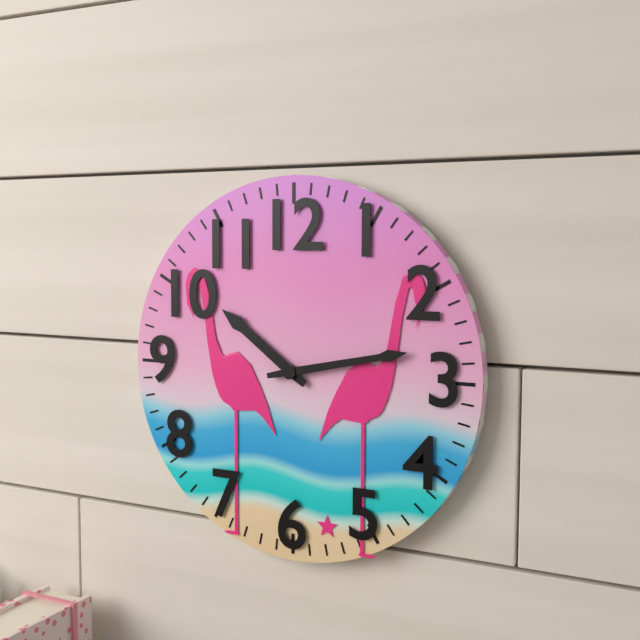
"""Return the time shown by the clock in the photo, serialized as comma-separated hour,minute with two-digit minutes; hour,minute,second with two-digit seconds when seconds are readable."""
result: 10,13
